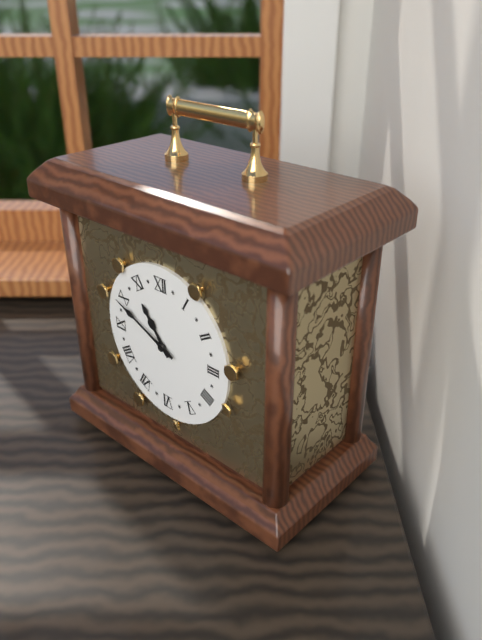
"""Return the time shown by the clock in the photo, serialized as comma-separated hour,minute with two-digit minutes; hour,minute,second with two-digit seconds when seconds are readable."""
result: 10,49
